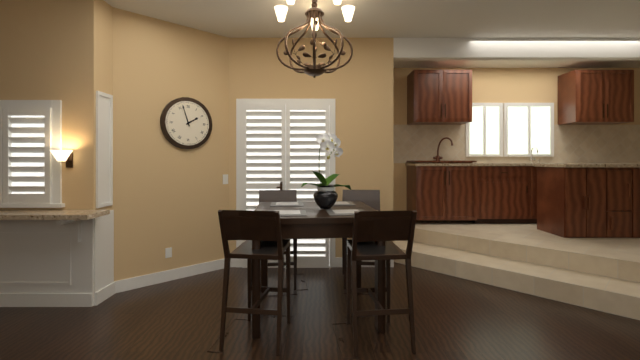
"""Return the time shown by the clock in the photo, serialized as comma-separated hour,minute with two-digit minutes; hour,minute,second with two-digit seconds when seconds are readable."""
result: 1,57
